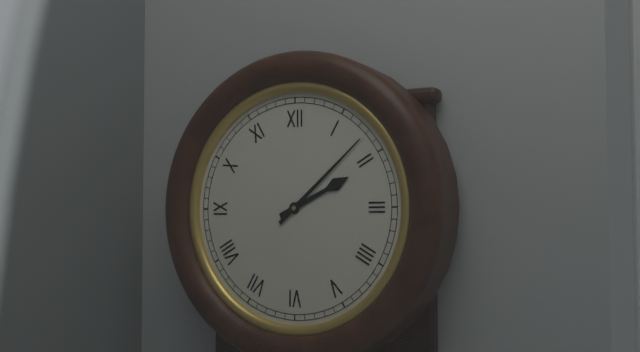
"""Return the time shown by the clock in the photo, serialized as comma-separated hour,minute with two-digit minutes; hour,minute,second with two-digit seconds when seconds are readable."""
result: 2,08
